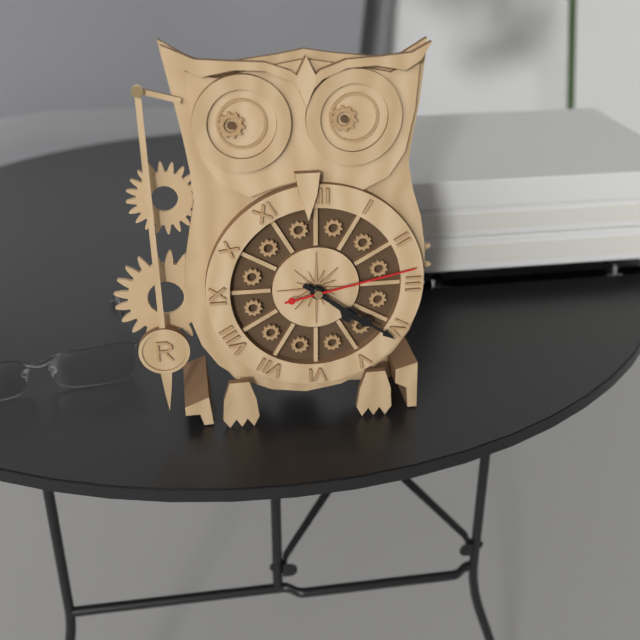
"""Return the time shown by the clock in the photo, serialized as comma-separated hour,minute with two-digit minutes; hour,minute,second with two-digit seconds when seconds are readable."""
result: 4,21,13
